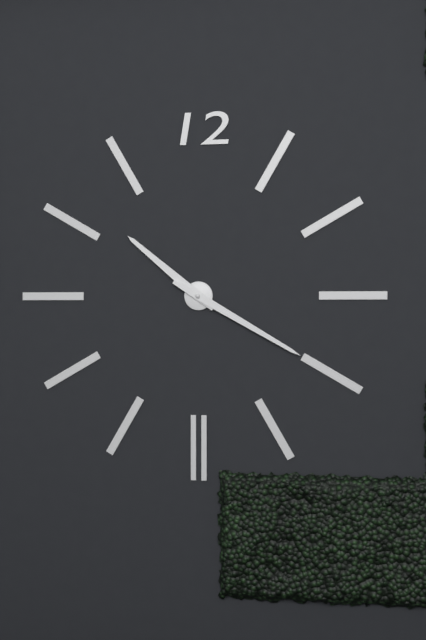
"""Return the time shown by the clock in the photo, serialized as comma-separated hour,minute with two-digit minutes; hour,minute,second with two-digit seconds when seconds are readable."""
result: 10,20
